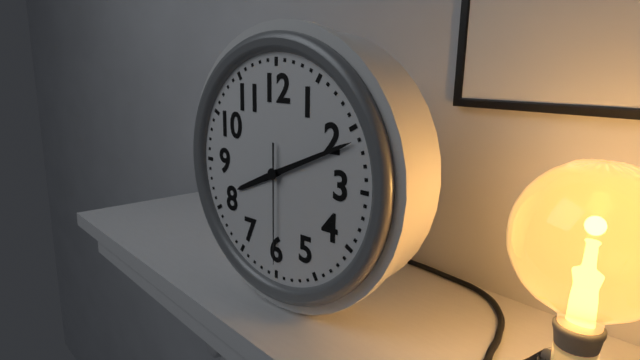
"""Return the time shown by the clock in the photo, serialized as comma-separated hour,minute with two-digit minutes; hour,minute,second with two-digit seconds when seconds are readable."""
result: 8,11,30
